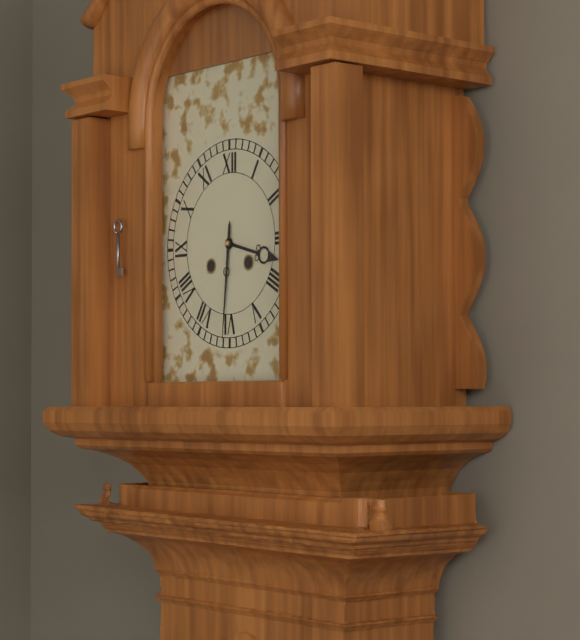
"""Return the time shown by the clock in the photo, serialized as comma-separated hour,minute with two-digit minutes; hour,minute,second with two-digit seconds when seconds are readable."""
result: 3,31
